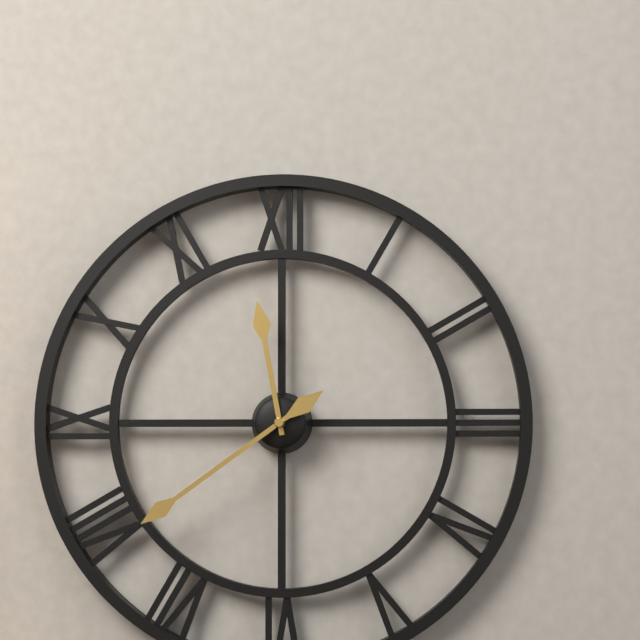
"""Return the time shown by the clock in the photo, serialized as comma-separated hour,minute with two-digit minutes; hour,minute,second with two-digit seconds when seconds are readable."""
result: 11,39
